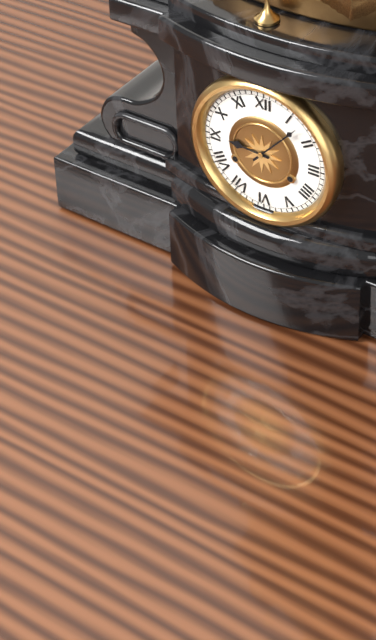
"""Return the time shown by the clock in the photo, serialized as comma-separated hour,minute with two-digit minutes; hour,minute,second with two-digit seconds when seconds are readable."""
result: 9,07
